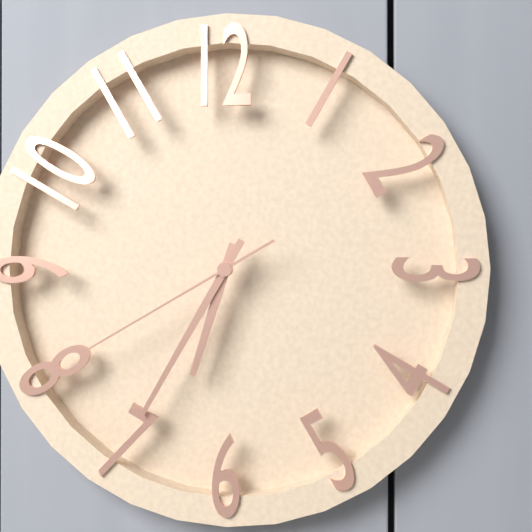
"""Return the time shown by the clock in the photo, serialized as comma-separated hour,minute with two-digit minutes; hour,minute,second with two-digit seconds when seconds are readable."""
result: 6,35,40
